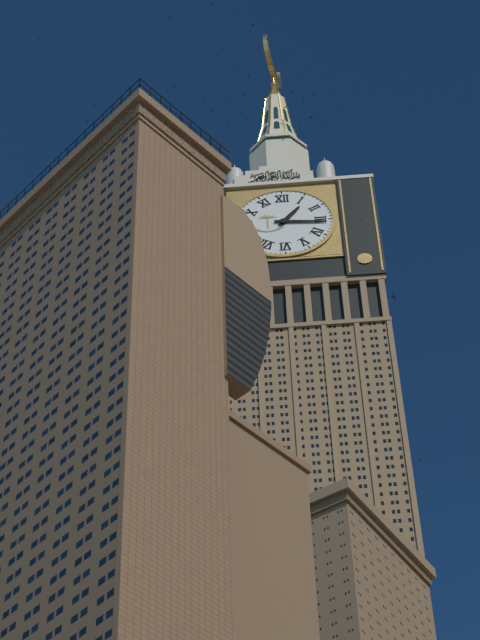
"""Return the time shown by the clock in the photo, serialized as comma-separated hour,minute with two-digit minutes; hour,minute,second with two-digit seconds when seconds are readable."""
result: 1,16
